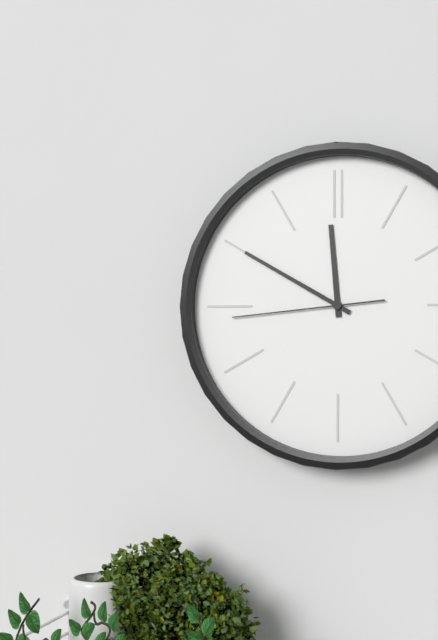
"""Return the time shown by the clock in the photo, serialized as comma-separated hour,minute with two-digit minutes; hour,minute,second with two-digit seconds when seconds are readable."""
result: 11,50,44
